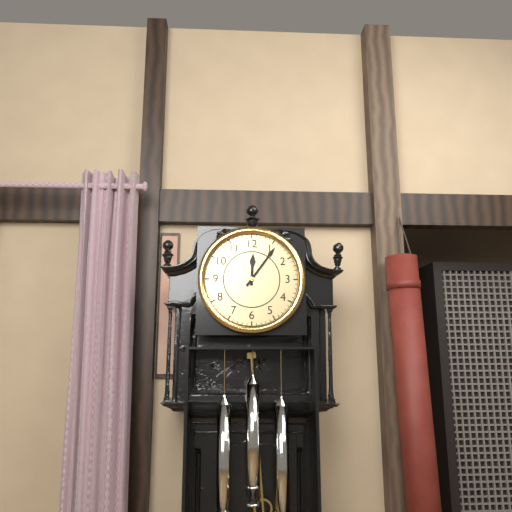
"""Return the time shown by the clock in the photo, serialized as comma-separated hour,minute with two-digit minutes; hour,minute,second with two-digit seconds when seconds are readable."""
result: 12,06
